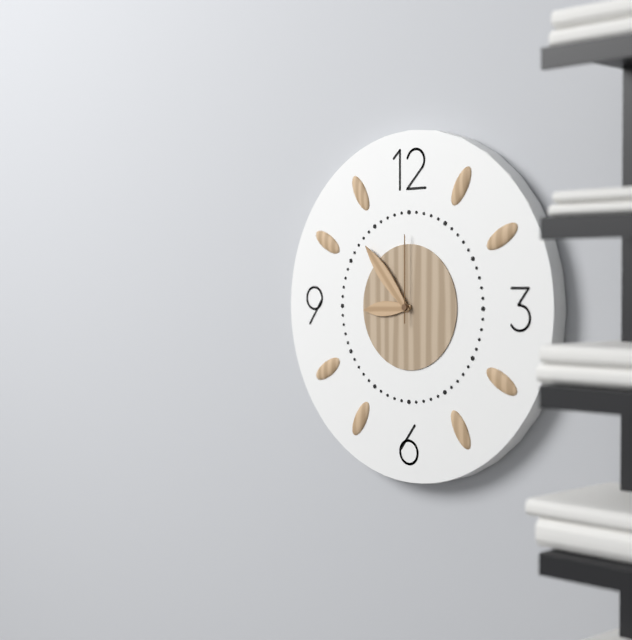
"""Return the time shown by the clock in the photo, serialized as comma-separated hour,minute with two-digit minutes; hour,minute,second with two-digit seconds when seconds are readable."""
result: 8,53,00
